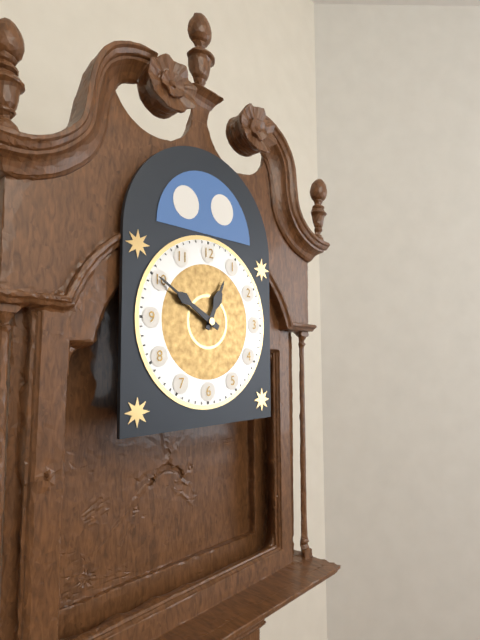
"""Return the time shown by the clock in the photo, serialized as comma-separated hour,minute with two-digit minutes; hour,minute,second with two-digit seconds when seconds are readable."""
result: 12,50
